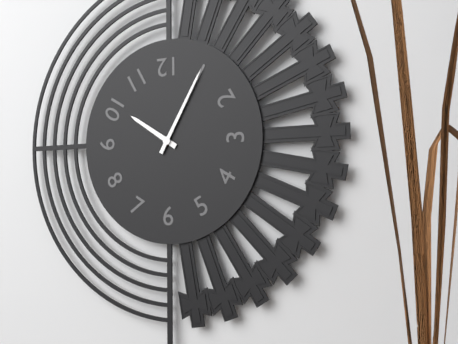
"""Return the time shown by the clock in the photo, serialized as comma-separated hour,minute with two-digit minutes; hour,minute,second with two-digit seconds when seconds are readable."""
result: 10,05
